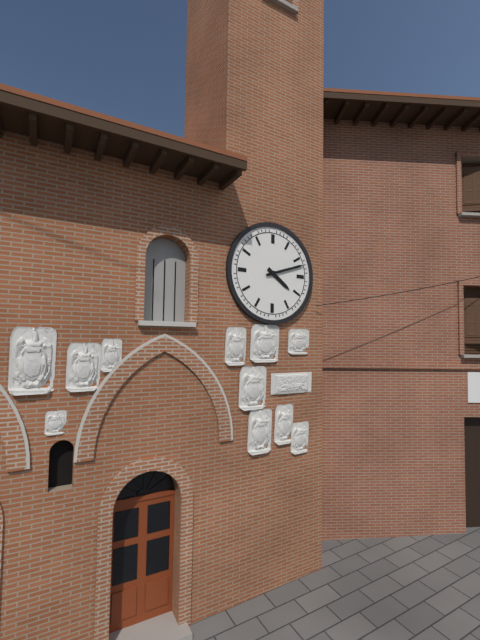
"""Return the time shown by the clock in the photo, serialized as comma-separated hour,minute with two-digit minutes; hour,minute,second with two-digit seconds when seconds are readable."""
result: 4,12
